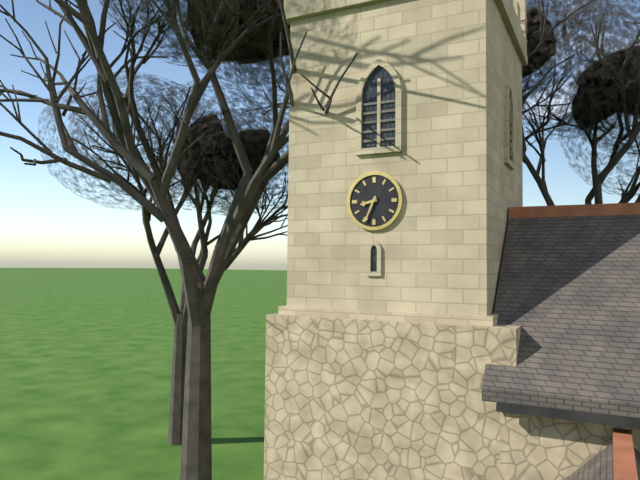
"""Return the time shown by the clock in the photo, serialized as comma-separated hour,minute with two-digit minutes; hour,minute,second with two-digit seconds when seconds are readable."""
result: 8,34
